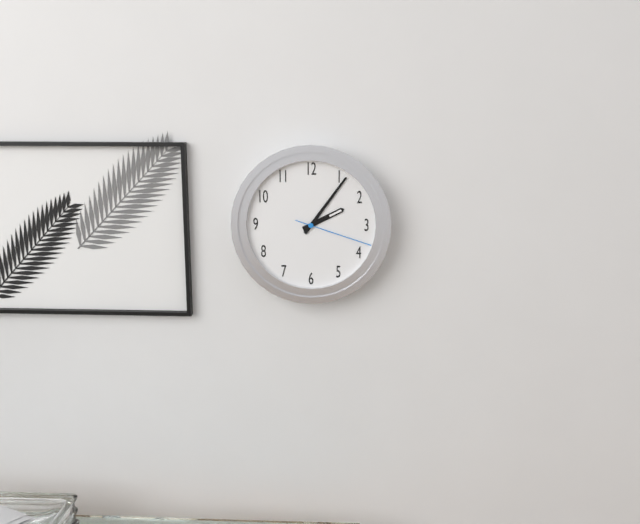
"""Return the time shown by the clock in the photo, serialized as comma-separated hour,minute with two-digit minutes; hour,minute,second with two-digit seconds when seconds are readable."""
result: 2,06,18
